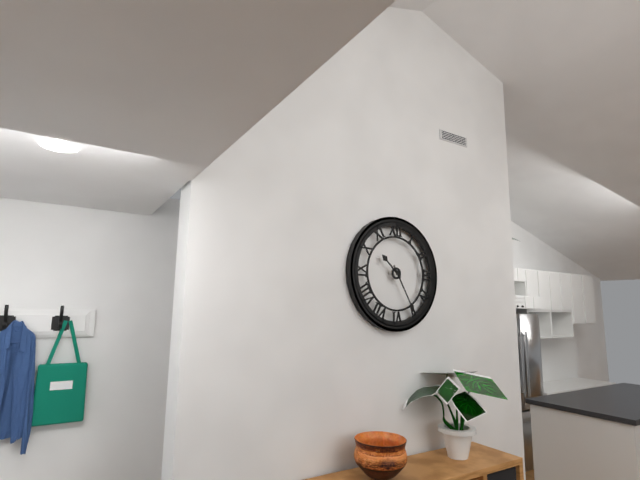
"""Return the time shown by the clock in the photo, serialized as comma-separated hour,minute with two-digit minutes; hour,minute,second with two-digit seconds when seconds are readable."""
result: 10,25
